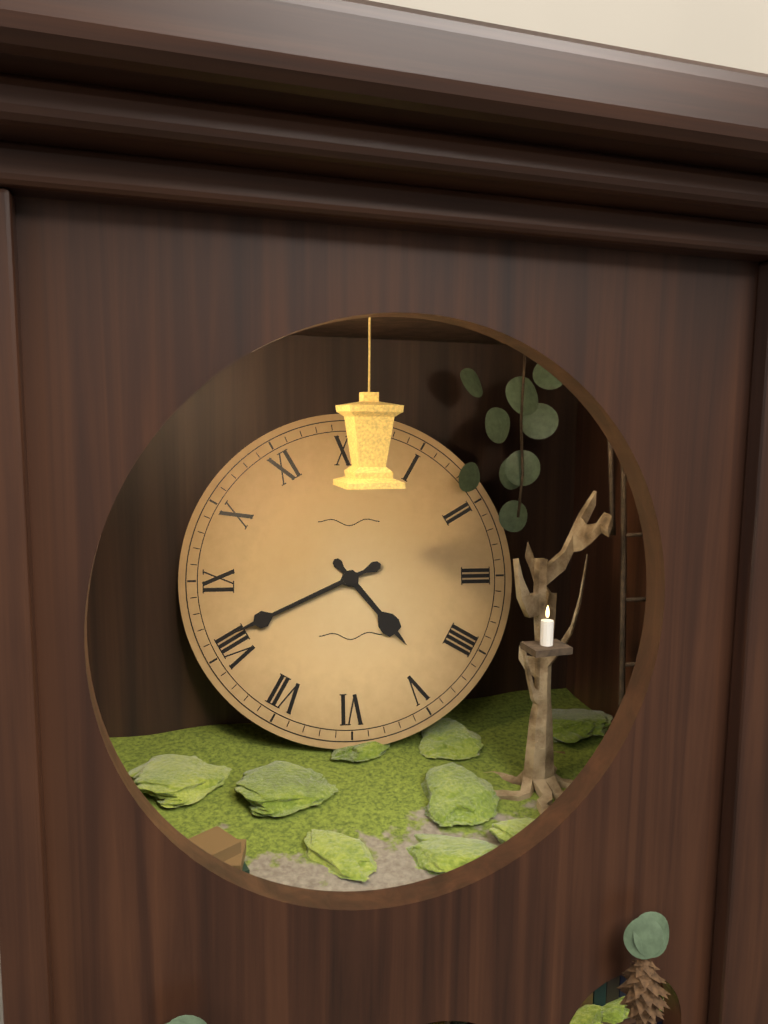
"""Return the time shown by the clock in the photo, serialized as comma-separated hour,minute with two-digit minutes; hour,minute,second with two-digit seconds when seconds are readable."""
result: 4,41
